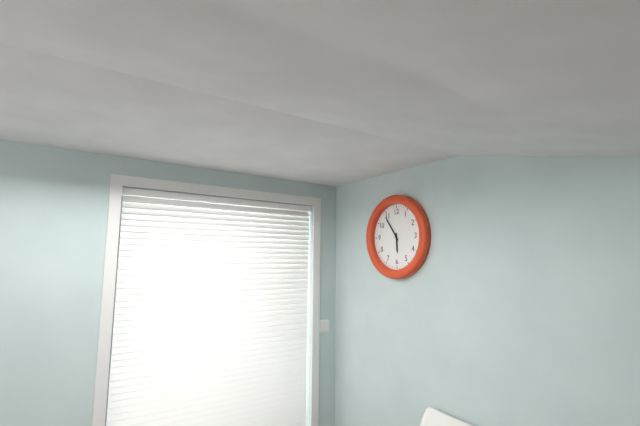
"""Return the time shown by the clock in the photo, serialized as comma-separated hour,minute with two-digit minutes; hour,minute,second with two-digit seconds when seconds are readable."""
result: 5,54
